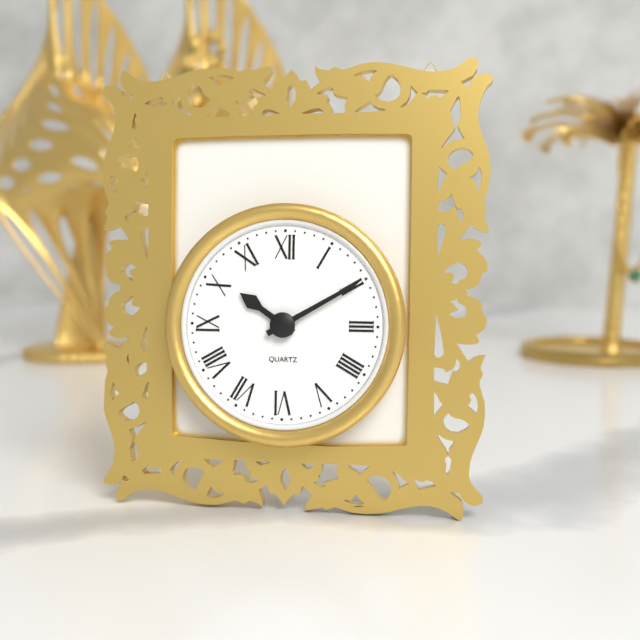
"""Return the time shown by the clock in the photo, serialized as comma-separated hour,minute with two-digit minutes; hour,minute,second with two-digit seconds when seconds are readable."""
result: 10,10
